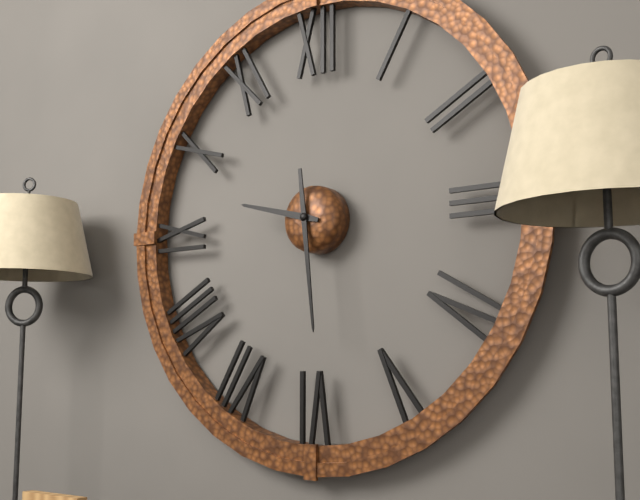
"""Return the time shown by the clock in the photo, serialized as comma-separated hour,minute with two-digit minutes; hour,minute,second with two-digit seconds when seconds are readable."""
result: 9,29
